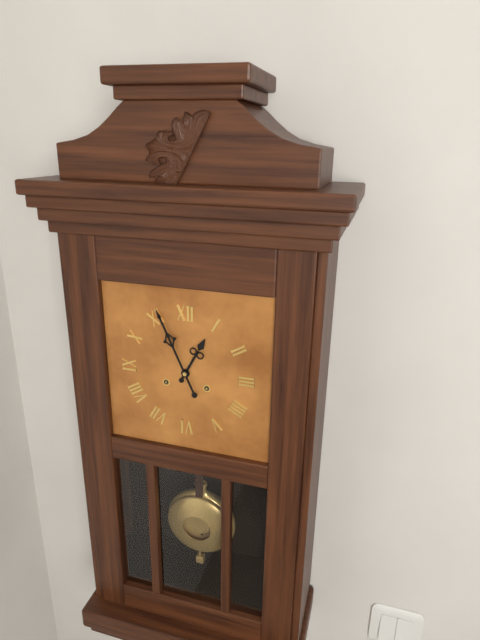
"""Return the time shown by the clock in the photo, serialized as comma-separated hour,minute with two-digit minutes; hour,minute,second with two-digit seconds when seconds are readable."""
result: 12,56
